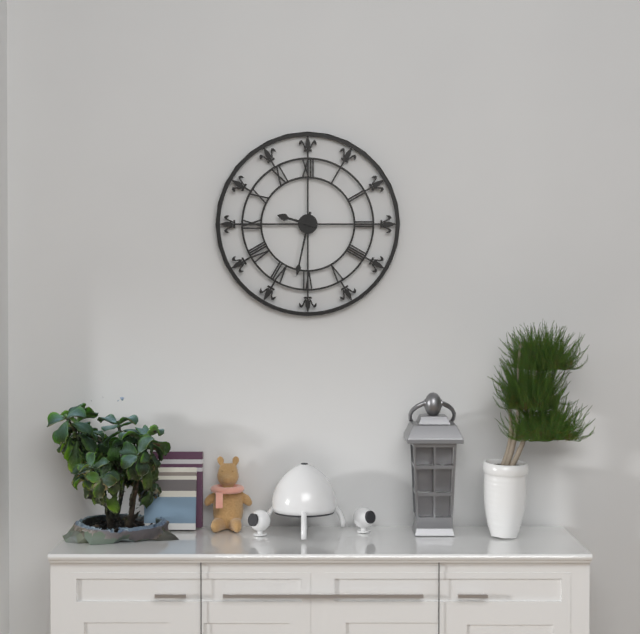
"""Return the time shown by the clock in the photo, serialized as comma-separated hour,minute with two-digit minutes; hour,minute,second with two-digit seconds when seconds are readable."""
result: 9,32
